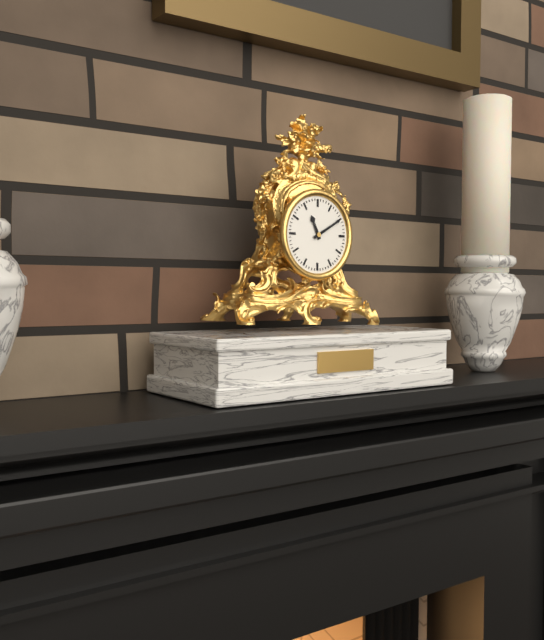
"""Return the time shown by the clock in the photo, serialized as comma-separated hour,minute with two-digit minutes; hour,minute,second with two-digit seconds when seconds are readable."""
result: 11,10
